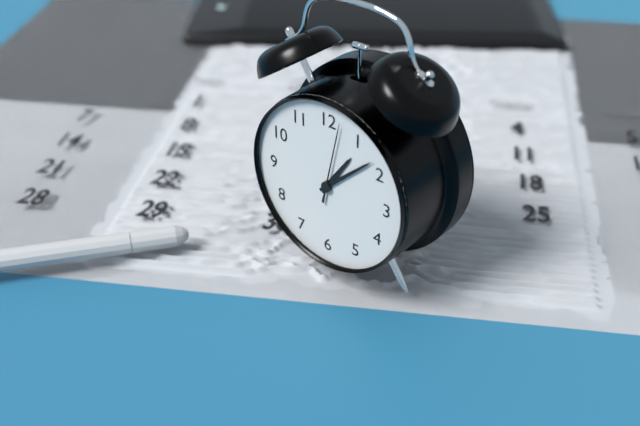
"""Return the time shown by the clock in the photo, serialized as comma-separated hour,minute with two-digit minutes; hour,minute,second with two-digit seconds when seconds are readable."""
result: 1,08,02
